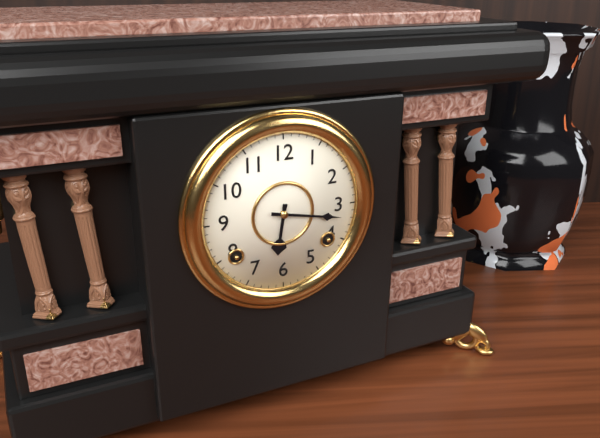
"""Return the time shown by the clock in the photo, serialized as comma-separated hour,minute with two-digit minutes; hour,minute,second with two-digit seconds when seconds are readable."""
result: 6,17
